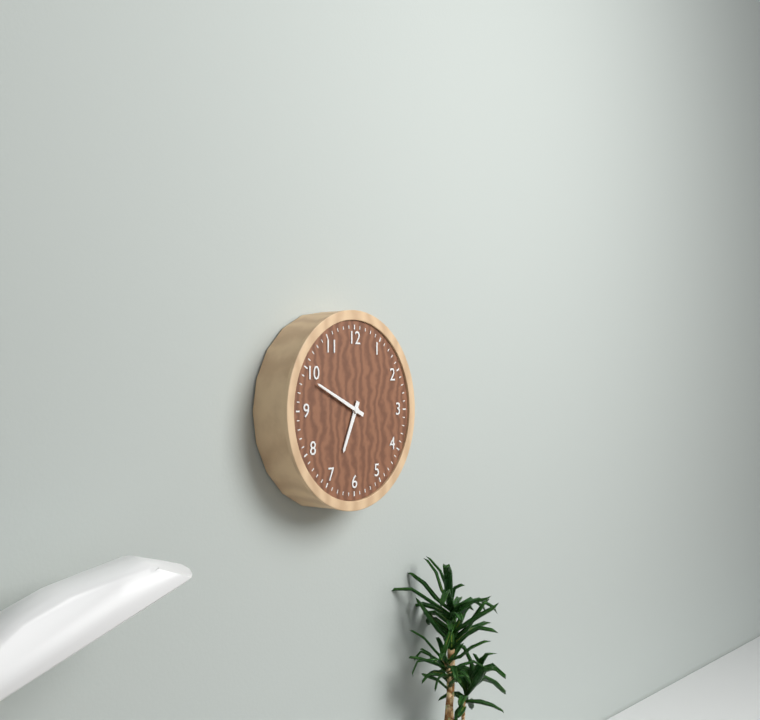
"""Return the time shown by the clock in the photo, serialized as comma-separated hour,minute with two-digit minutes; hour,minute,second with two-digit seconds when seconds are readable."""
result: 6,49
